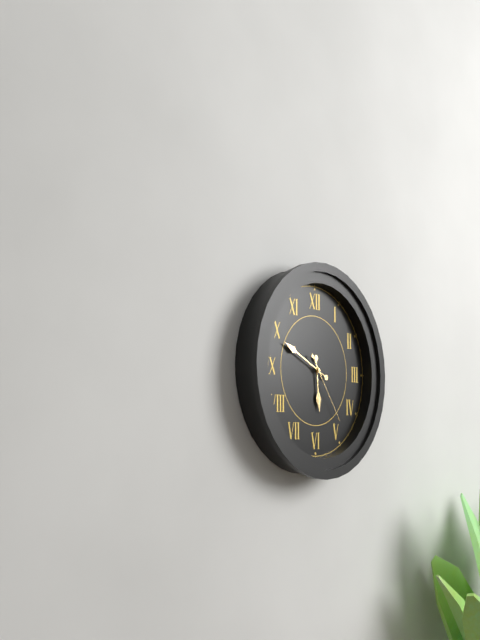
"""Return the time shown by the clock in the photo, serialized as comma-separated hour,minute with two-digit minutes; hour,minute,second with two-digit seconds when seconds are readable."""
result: 5,49,24
